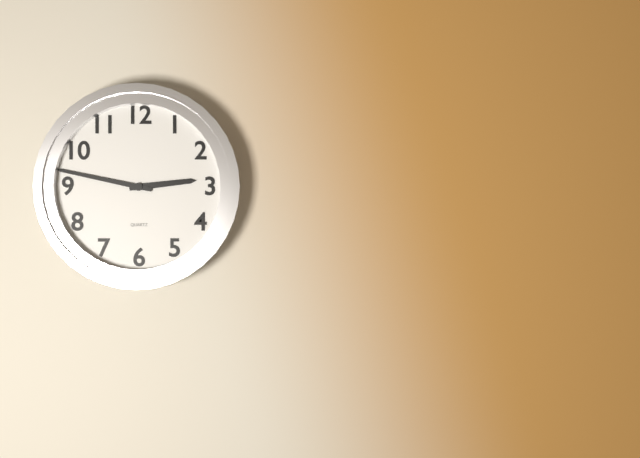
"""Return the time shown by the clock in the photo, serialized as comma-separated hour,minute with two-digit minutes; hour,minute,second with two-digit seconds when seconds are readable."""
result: 2,47
